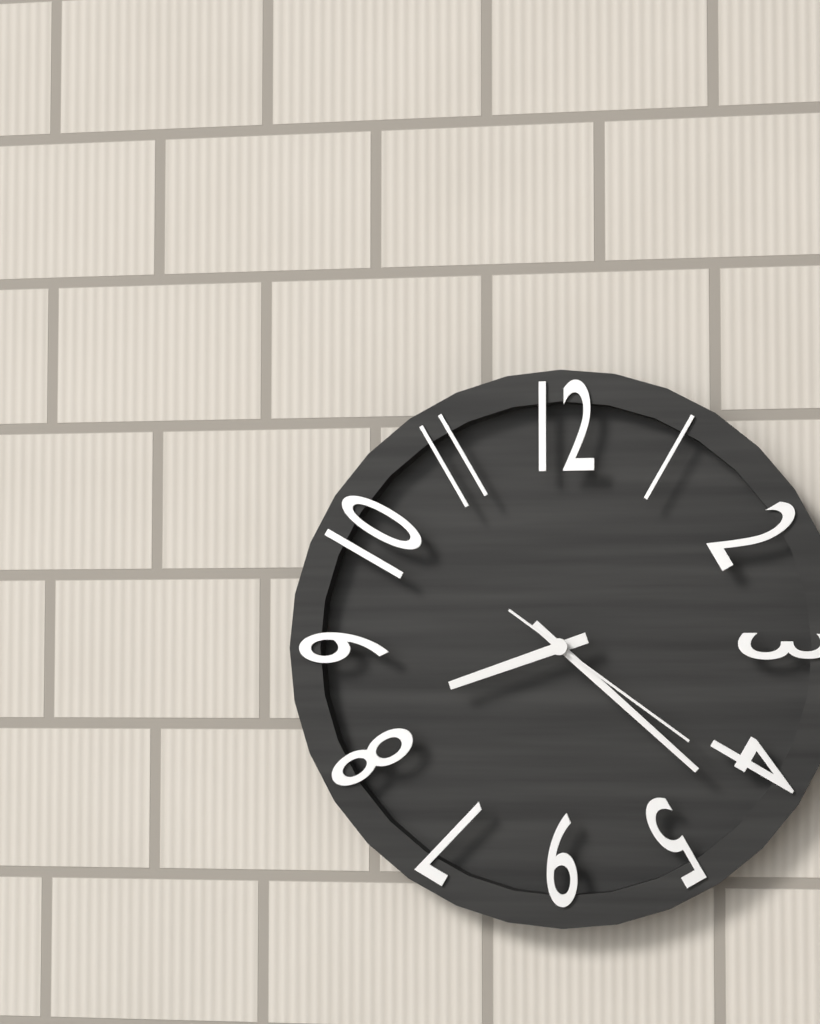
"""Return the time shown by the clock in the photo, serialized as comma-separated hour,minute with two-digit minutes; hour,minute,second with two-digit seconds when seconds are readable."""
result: 8,22,21
